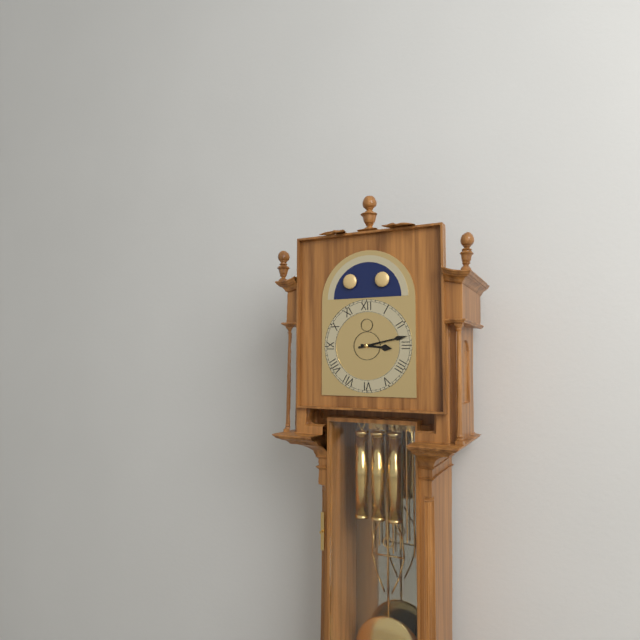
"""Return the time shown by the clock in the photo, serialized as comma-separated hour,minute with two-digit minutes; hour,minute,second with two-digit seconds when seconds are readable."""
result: 3,13
